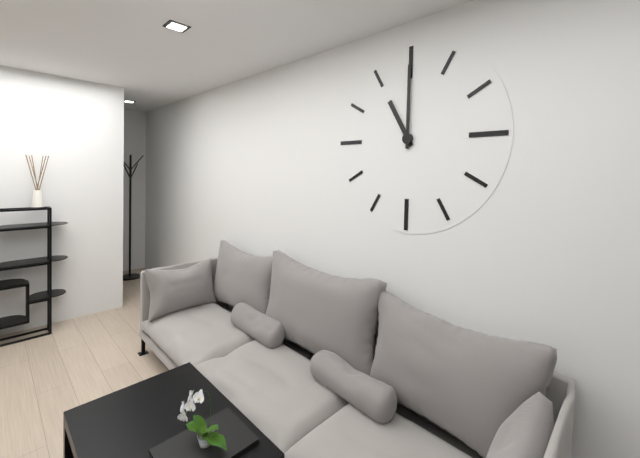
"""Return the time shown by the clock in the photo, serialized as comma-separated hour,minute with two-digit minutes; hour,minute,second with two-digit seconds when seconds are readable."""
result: 11,00
